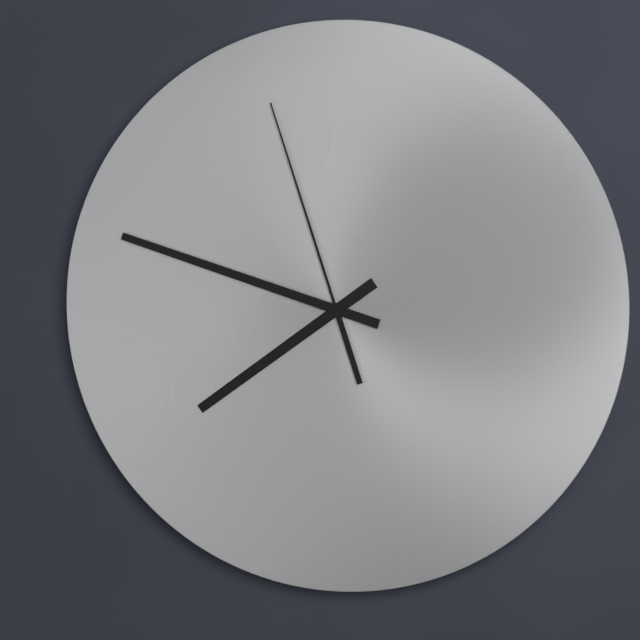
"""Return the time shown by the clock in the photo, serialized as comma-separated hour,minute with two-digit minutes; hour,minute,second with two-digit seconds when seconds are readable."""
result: 7,48,57
